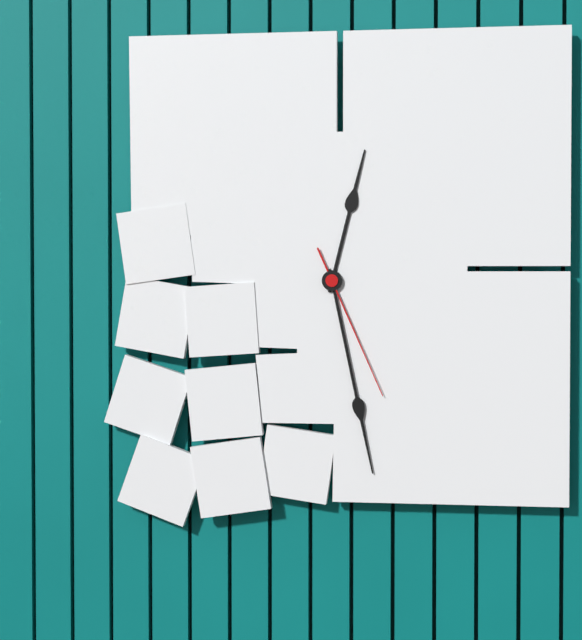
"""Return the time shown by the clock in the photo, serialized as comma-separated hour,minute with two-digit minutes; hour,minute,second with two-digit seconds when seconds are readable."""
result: 12,28,26
